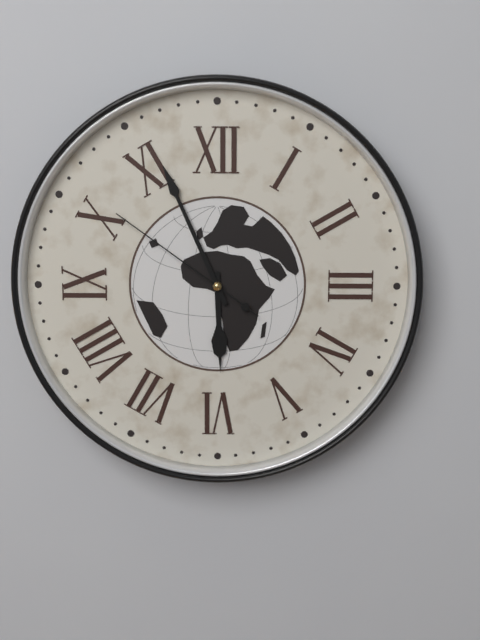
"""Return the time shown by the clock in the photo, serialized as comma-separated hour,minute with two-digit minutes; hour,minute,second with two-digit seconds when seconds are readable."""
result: 5,56,51
